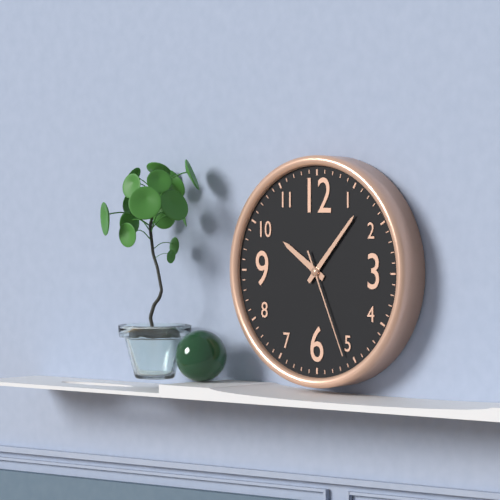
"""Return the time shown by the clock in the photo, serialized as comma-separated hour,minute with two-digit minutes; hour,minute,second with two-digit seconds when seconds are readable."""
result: 10,07,26
